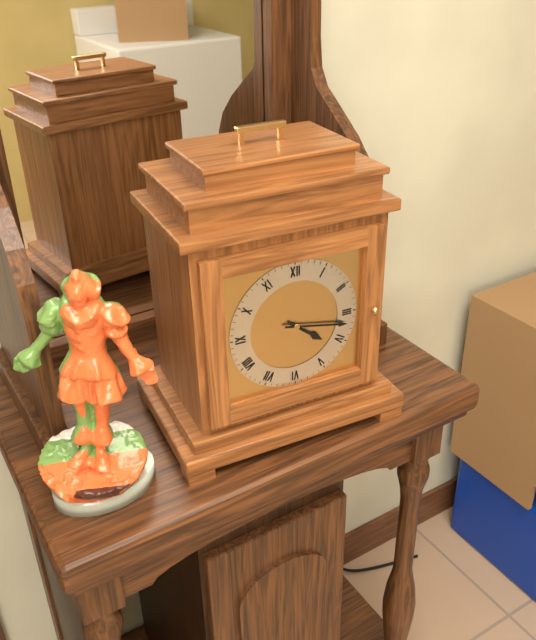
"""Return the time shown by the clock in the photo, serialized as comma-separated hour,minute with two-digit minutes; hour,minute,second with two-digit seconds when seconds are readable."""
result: 4,17
